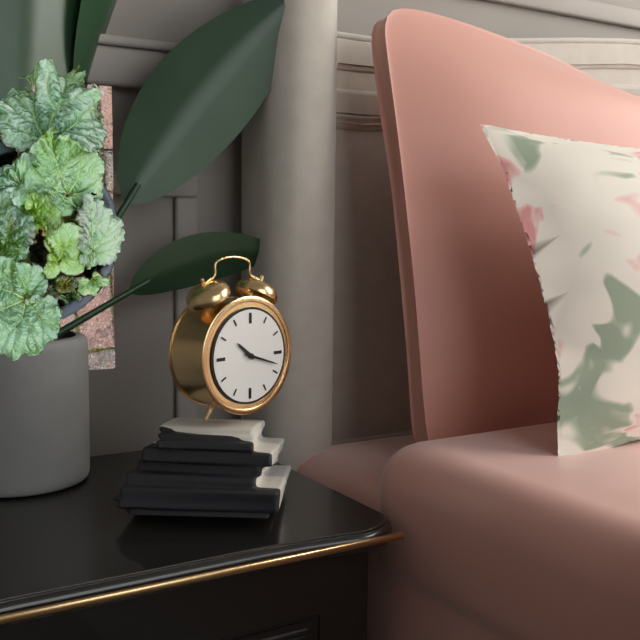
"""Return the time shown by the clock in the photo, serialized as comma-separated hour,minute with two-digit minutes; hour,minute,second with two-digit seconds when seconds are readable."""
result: 10,18
